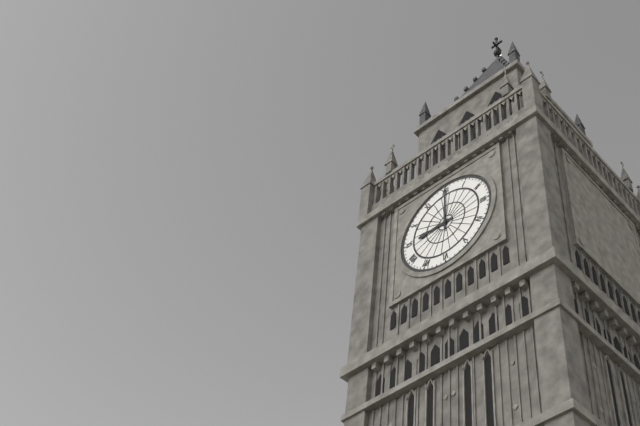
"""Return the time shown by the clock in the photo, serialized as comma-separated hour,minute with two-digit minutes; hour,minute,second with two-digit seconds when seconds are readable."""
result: 9,00
